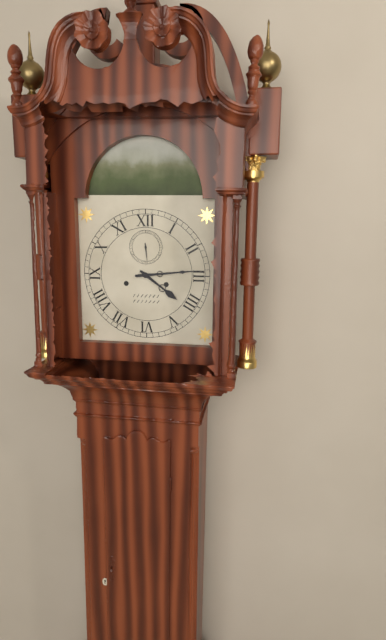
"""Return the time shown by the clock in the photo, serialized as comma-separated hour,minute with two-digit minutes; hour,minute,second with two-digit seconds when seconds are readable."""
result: 4,14
